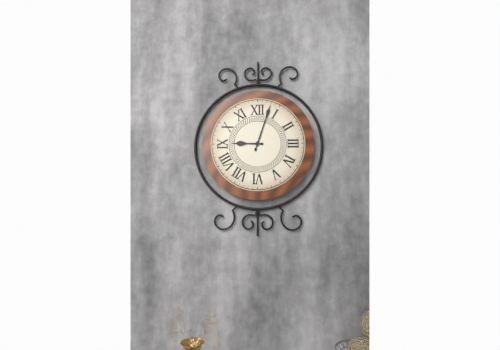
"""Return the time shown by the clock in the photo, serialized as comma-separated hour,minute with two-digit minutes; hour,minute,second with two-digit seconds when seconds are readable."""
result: 9,03
